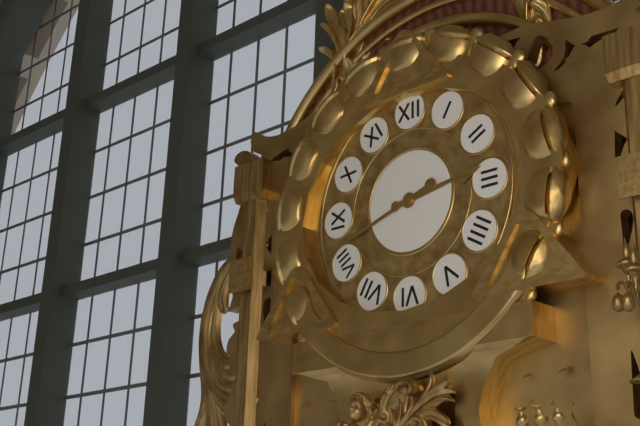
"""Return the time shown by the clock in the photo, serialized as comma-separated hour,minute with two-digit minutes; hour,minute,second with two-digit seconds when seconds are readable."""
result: 2,42
